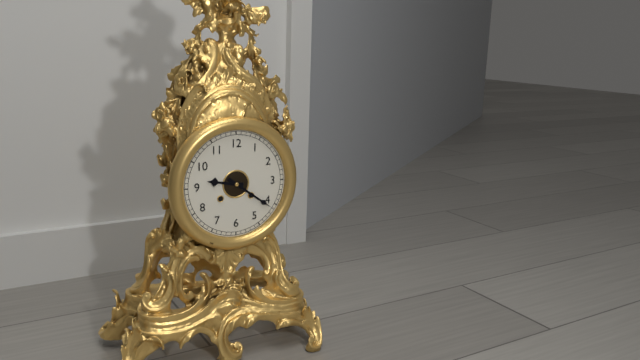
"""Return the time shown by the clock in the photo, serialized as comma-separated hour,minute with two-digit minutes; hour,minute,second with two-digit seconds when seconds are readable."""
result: 9,21
